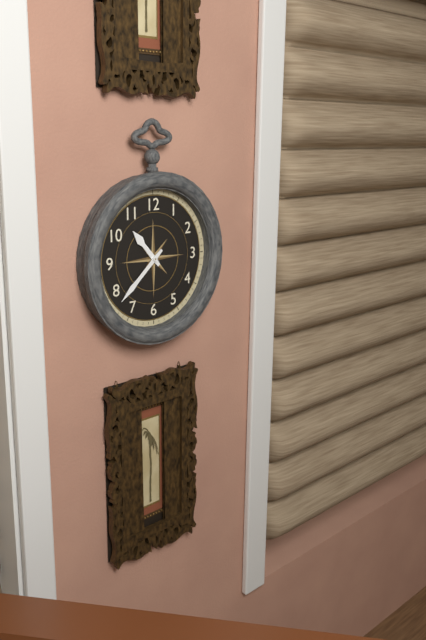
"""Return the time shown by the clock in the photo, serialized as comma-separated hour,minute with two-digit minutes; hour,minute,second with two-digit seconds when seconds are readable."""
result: 10,38
